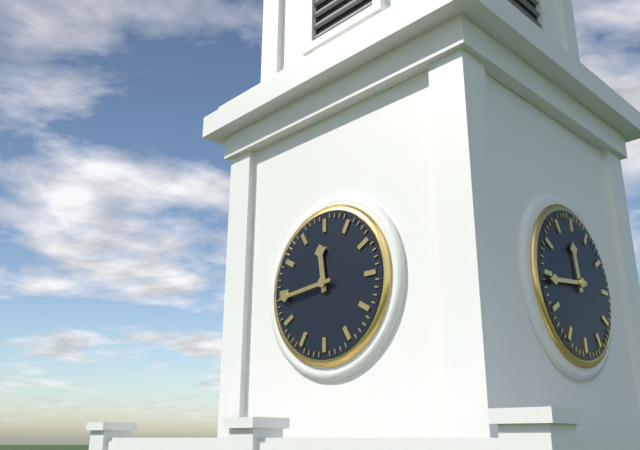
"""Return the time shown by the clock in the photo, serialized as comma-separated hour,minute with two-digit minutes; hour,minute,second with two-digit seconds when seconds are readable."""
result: 11,44
